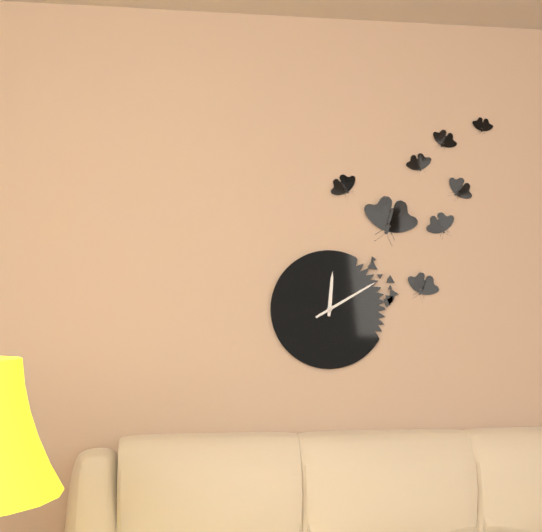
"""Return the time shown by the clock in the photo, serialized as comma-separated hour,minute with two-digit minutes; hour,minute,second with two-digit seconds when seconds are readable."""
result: 12,10
